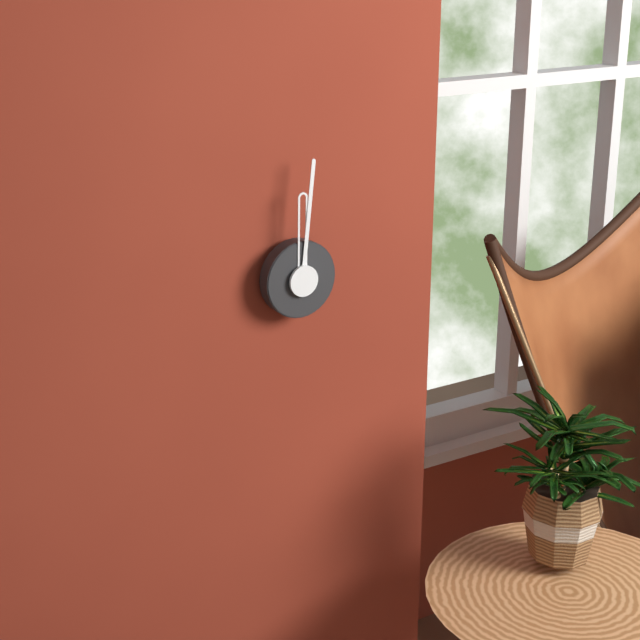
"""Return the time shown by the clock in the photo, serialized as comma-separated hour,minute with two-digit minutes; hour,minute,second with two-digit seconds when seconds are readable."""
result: 12,01
